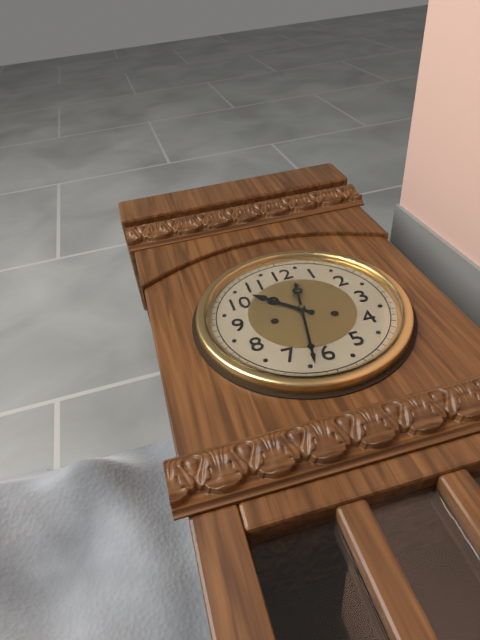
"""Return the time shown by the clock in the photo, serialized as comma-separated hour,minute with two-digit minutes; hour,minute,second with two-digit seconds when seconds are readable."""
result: 10,32
